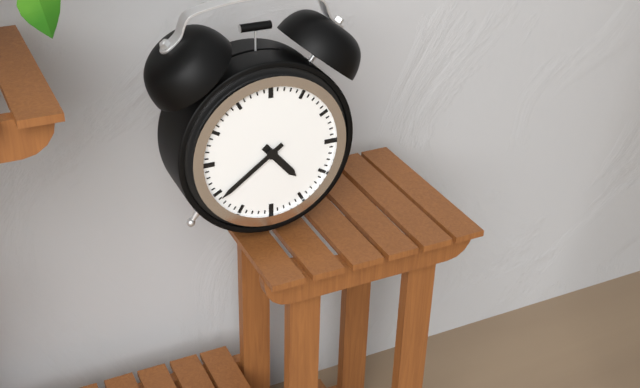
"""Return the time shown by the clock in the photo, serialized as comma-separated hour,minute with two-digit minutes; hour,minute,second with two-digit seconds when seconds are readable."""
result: 4,39
